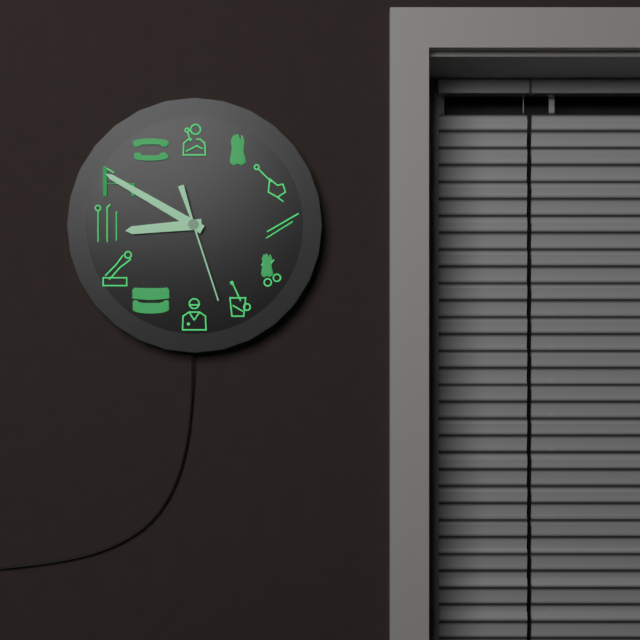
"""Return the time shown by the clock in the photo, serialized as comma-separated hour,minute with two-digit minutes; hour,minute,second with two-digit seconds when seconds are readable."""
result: 8,50,27
